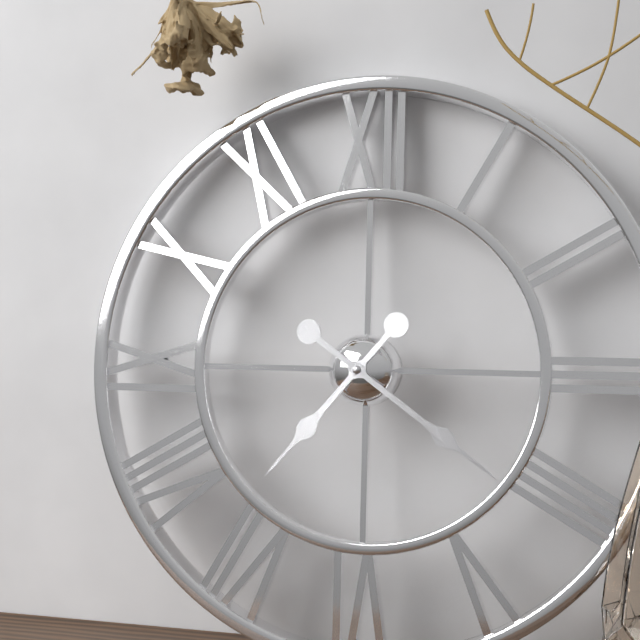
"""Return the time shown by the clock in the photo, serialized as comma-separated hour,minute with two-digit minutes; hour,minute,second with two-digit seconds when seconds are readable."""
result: 7,21
